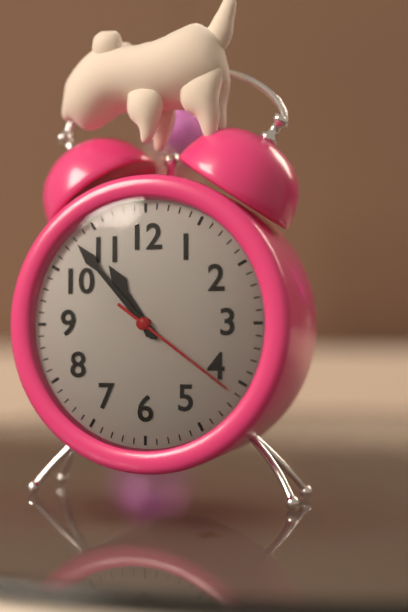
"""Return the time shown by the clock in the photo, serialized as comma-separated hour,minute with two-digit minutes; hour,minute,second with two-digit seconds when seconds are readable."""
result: 10,53,21
